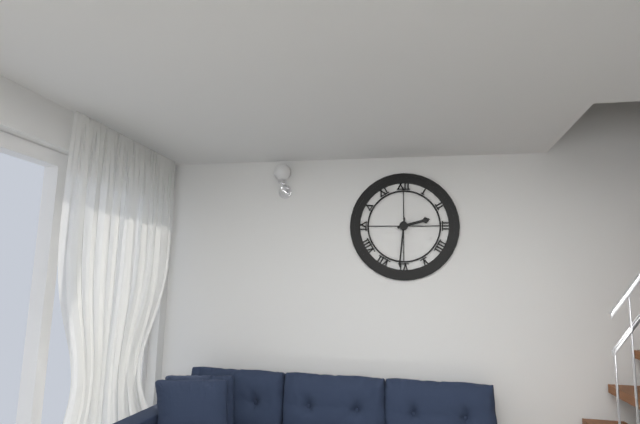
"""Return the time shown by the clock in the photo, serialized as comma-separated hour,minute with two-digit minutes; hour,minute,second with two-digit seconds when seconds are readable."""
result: 2,31
